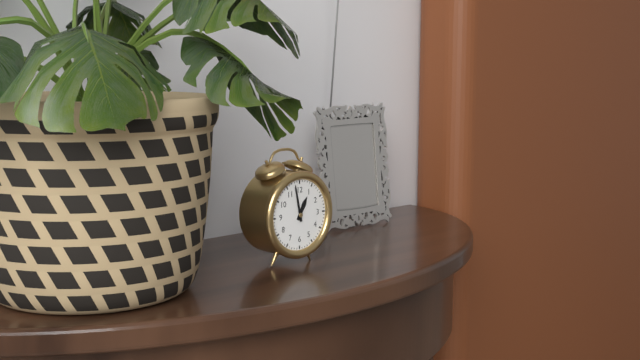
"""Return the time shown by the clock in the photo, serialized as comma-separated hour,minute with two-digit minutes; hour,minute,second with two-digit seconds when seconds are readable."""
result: 12,58
